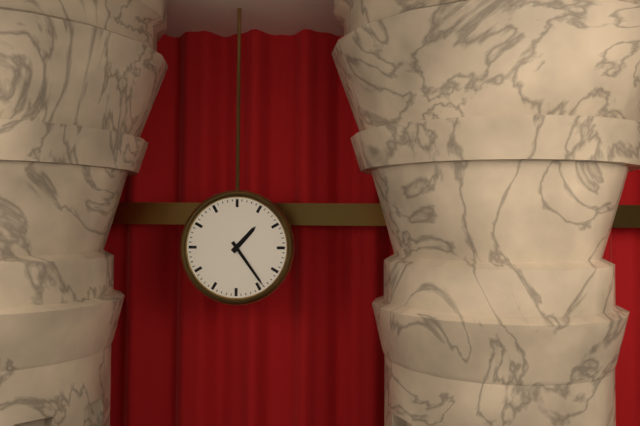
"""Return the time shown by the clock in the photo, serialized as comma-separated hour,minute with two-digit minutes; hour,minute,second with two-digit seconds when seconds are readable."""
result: 1,24
